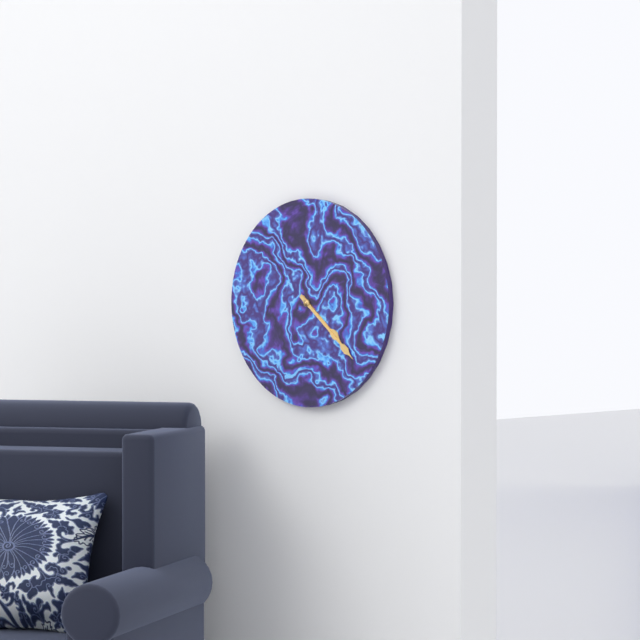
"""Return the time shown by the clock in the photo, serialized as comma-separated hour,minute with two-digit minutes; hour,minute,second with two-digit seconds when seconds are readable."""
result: 4,22
